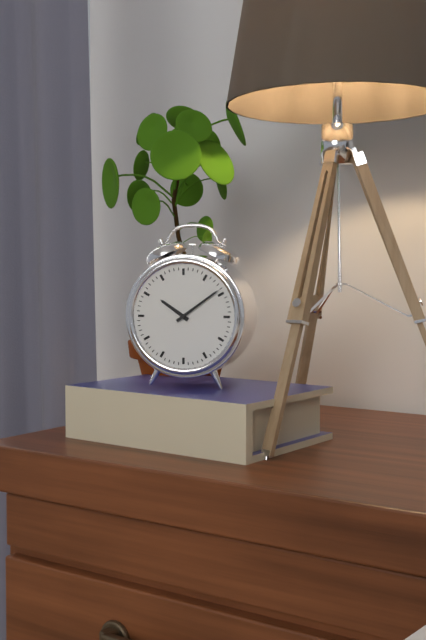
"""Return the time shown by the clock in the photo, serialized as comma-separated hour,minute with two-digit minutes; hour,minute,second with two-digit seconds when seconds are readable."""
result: 10,09
